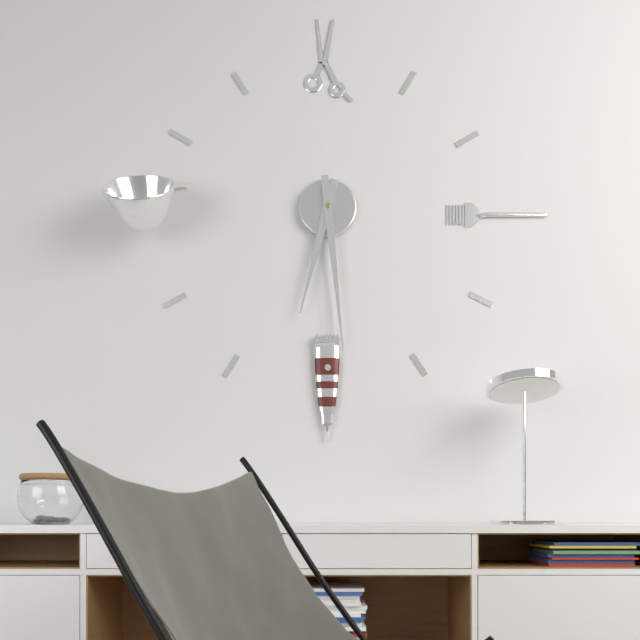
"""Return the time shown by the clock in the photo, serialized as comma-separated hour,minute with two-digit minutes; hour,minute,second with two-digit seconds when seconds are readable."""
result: 6,29
